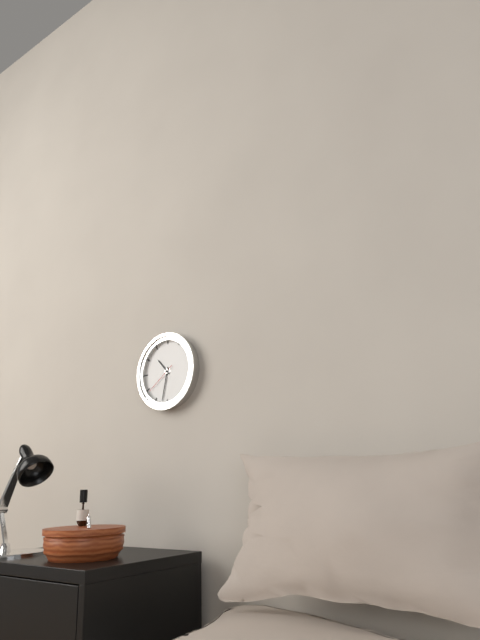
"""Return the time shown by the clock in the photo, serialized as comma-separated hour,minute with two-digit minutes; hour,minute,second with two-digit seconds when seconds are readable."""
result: 10,32
